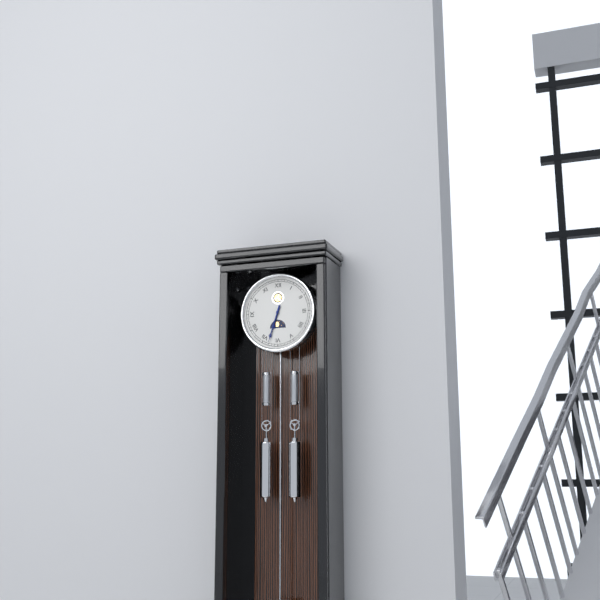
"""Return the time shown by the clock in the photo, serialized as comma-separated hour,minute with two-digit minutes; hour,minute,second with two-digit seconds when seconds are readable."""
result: 6,33
